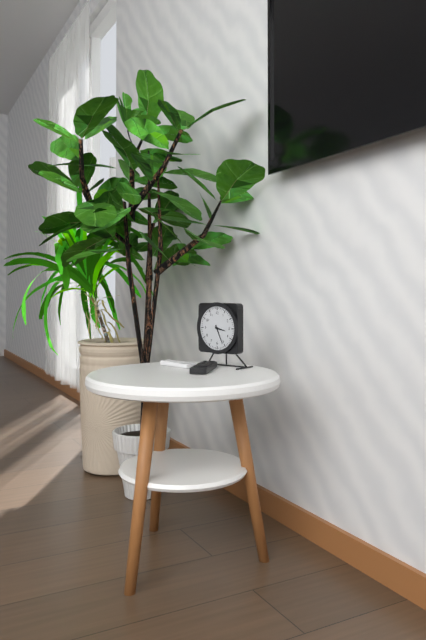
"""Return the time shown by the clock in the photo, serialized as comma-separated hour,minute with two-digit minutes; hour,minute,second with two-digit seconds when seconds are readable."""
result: 3,26
